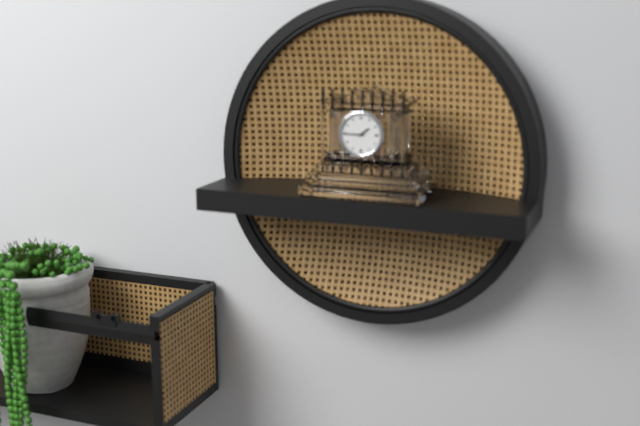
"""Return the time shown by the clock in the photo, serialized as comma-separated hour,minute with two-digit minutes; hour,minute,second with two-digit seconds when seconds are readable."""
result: 1,45
